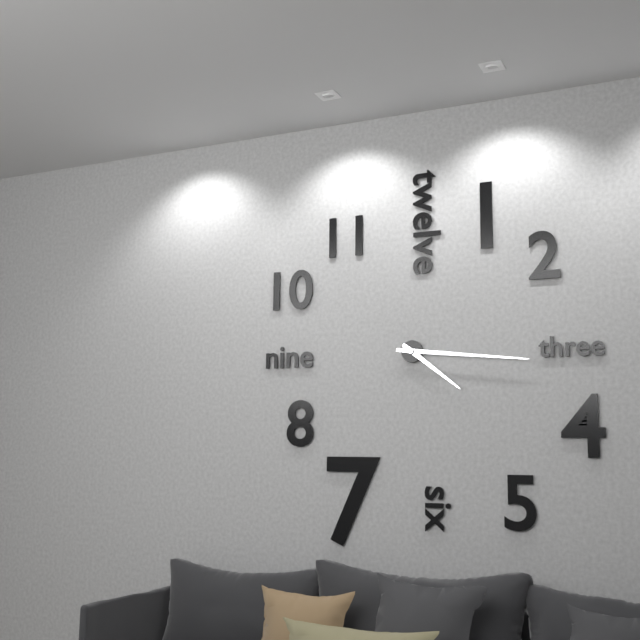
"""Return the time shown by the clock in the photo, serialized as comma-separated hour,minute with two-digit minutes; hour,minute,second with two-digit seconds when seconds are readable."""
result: 4,16
